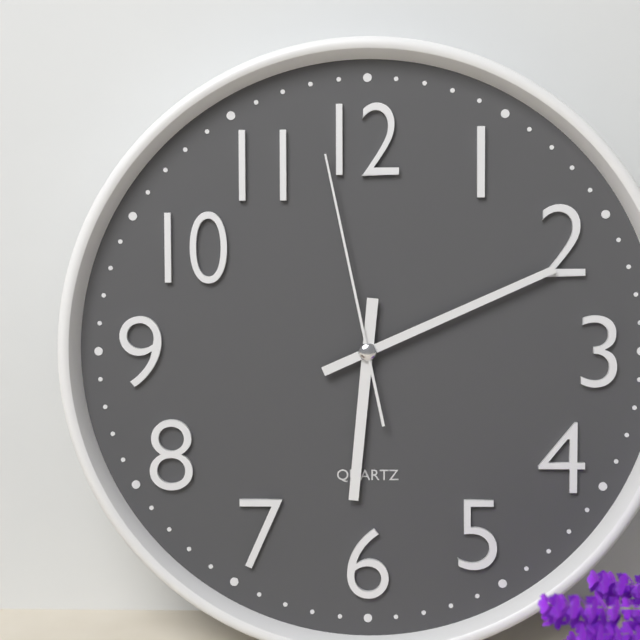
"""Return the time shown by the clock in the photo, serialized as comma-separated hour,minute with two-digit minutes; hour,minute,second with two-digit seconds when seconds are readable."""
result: 6,11,58
